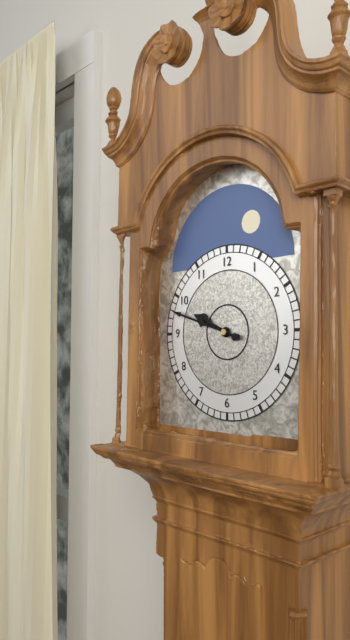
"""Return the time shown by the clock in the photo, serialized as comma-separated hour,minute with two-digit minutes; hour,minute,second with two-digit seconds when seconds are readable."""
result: 9,48
